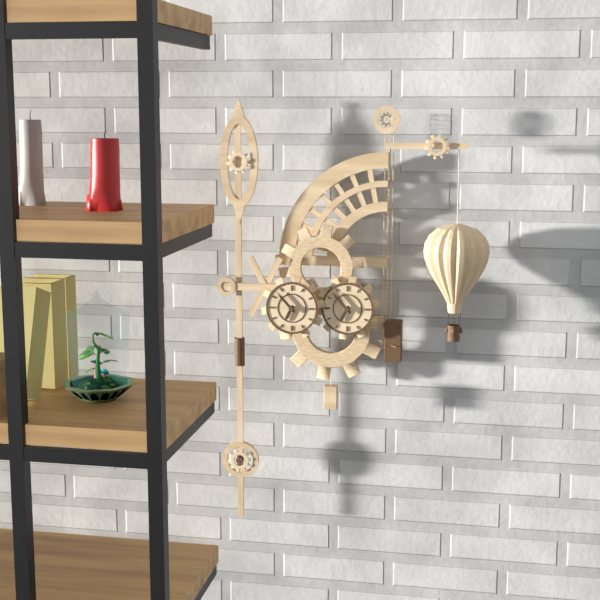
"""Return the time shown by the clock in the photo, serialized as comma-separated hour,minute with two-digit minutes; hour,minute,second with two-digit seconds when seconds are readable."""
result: 6,53
